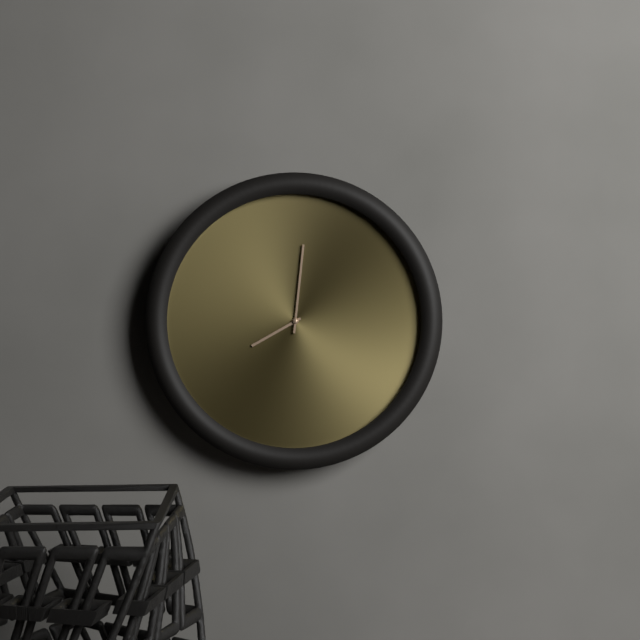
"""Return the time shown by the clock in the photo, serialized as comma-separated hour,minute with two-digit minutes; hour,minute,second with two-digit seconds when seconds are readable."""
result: 8,01
